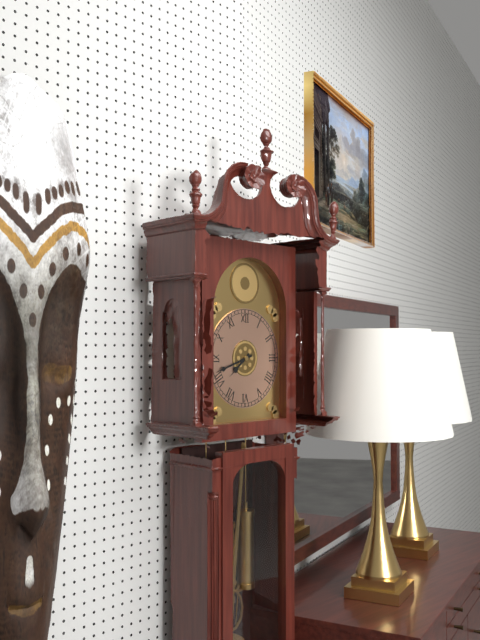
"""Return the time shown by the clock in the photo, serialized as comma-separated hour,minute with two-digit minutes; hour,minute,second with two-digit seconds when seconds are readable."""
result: 7,42
